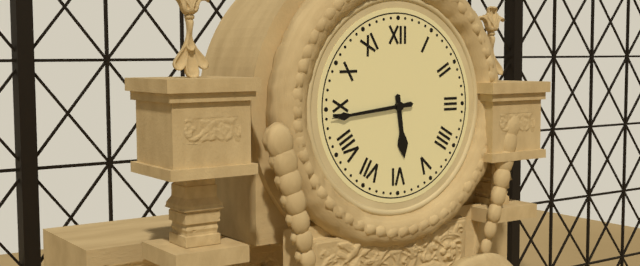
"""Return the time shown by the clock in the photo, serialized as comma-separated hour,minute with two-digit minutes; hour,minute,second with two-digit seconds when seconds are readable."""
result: 5,44
